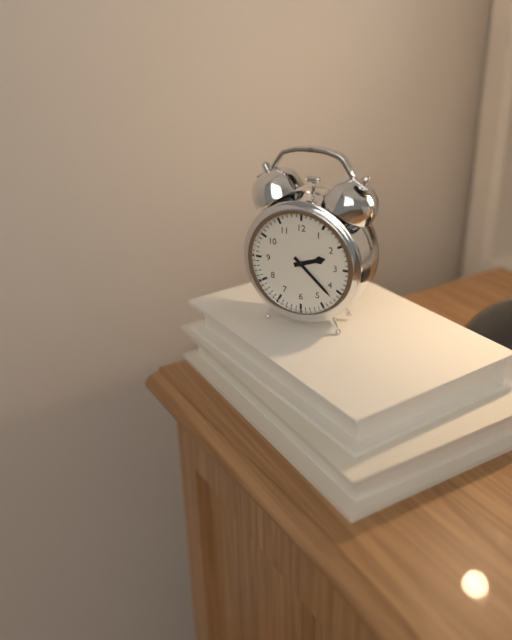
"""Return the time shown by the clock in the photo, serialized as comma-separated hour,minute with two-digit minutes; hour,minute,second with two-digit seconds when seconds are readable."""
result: 2,22
